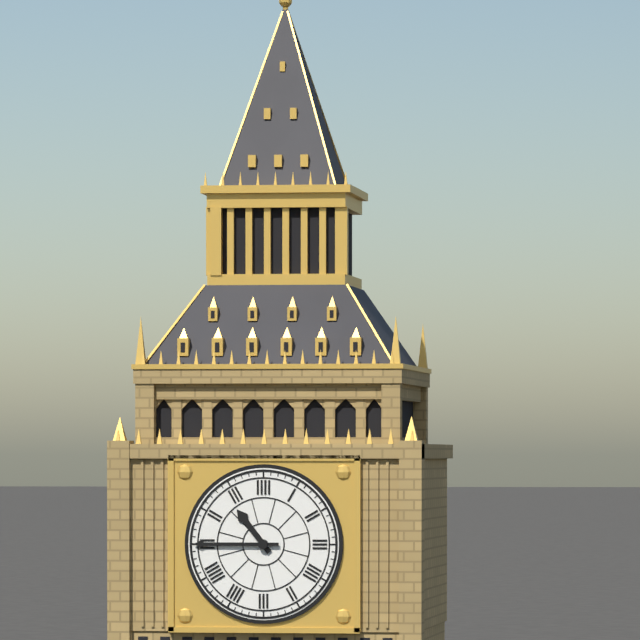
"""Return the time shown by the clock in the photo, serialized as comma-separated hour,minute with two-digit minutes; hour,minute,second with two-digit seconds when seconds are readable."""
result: 10,45
